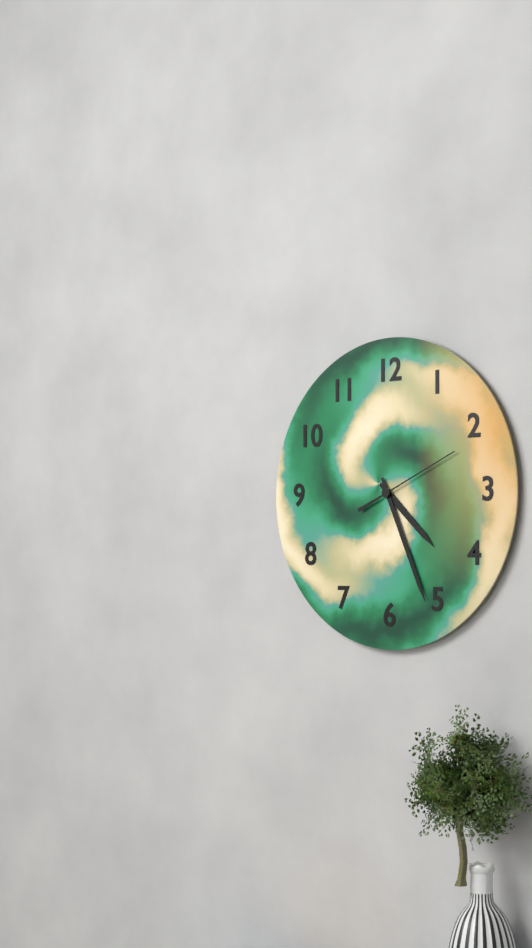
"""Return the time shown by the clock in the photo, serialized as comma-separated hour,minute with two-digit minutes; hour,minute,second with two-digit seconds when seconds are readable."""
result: 4,26,11
